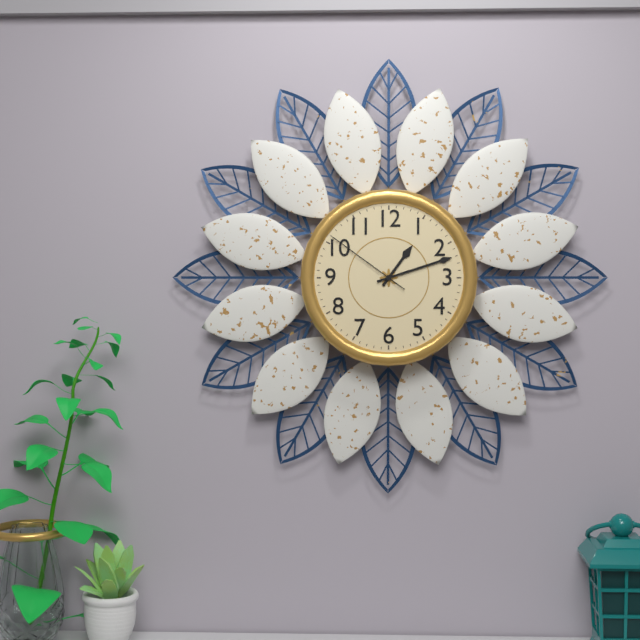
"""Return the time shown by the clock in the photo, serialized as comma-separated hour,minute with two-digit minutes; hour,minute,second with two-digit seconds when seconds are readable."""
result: 1,12,51
